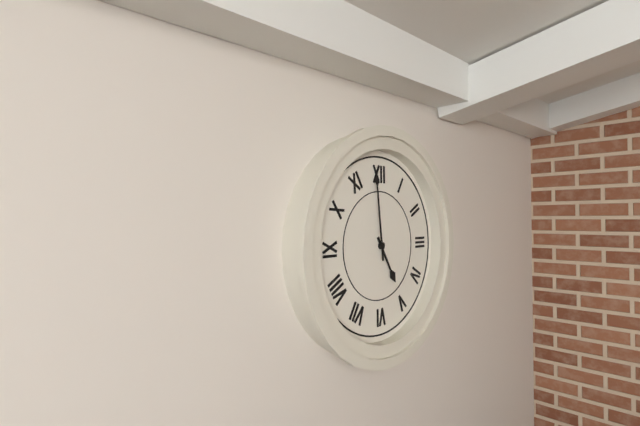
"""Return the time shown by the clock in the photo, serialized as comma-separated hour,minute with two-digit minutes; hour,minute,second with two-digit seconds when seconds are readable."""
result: 4,59
